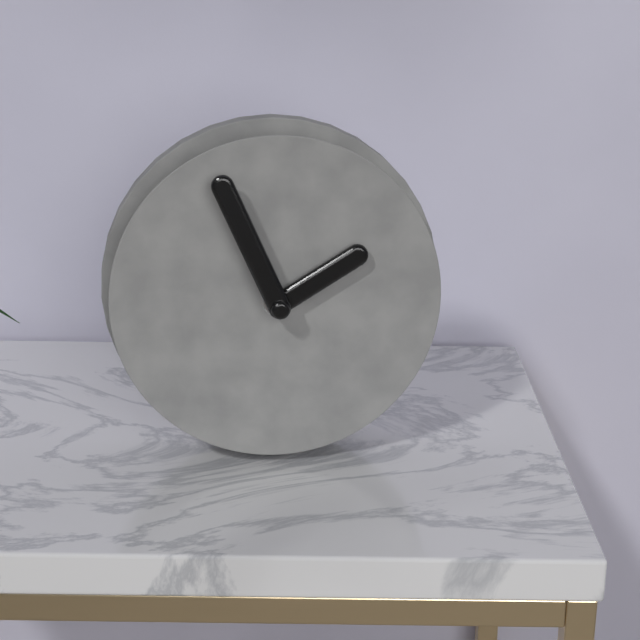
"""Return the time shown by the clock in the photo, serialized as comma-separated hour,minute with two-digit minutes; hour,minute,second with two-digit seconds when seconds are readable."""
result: 1,56
